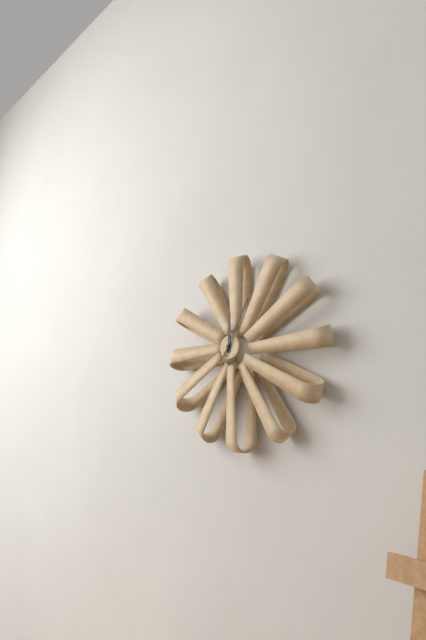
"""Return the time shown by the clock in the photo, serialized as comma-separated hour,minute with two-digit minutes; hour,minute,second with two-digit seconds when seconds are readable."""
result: 12,05
